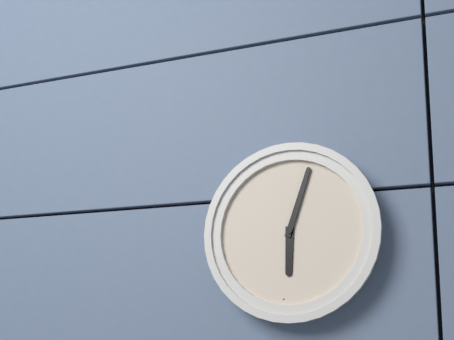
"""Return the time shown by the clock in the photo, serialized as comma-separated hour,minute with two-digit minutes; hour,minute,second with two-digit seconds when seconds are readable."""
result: 6,03
